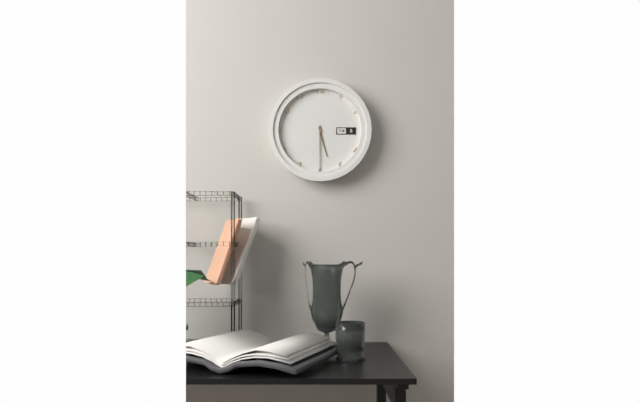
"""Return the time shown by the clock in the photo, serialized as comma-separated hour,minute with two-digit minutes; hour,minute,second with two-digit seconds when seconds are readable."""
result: 5,30
